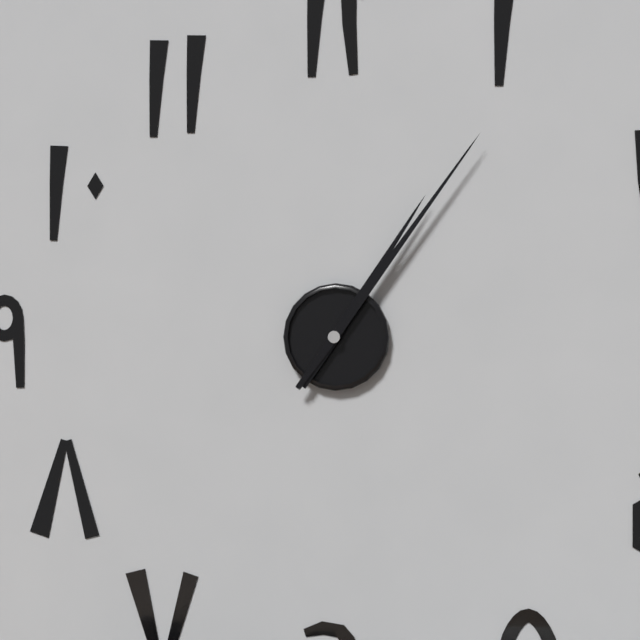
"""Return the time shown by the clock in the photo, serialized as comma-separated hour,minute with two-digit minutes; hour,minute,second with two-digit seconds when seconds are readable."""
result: 1,06
